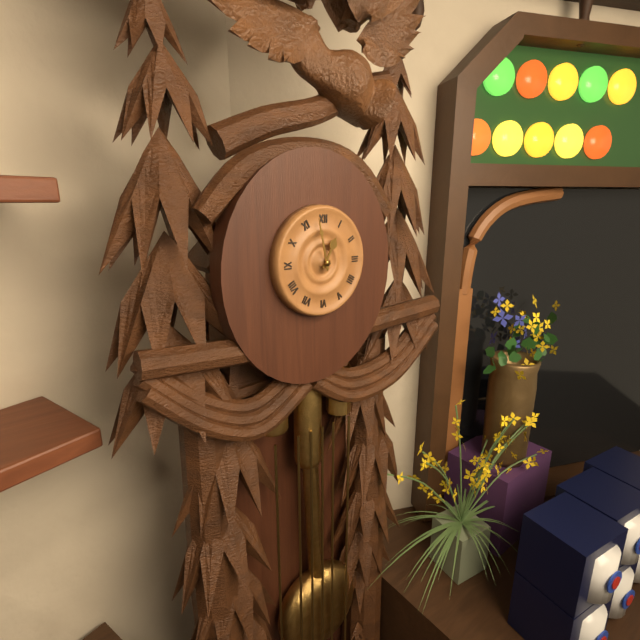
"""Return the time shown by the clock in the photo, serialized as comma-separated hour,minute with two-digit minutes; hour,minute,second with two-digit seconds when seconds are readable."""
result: 12,58
